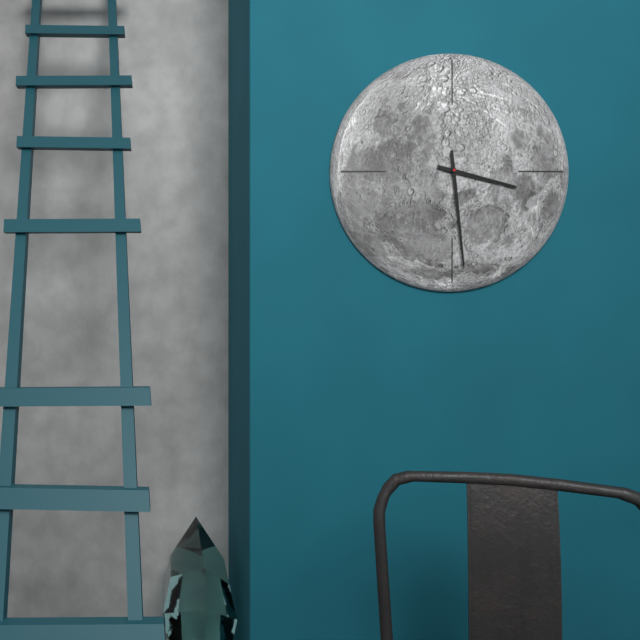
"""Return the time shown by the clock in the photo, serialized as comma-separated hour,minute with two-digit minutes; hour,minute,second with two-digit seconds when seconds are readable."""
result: 3,29
